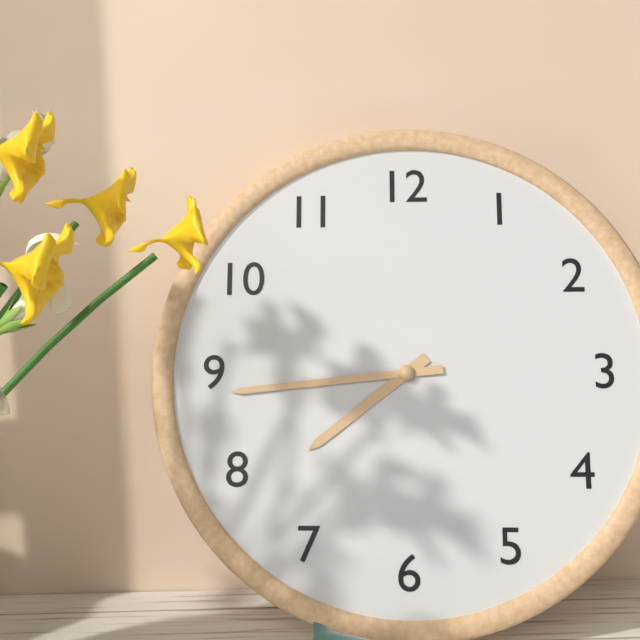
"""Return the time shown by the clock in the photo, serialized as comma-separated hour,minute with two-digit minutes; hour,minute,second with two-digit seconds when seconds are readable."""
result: 7,44
